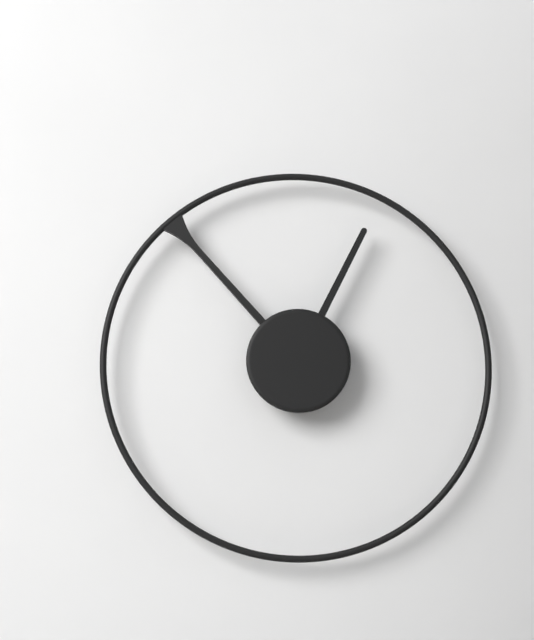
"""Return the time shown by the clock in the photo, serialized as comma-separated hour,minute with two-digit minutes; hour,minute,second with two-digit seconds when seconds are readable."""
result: 12,53
